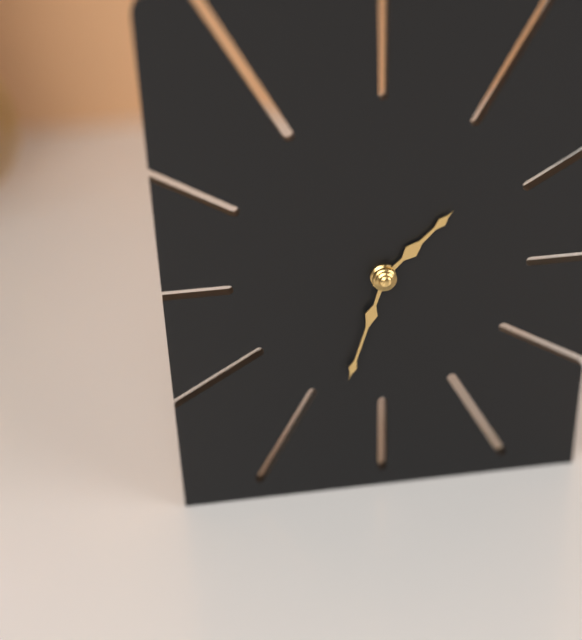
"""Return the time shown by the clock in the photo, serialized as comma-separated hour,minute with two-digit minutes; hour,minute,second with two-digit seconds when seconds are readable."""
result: 1,33
